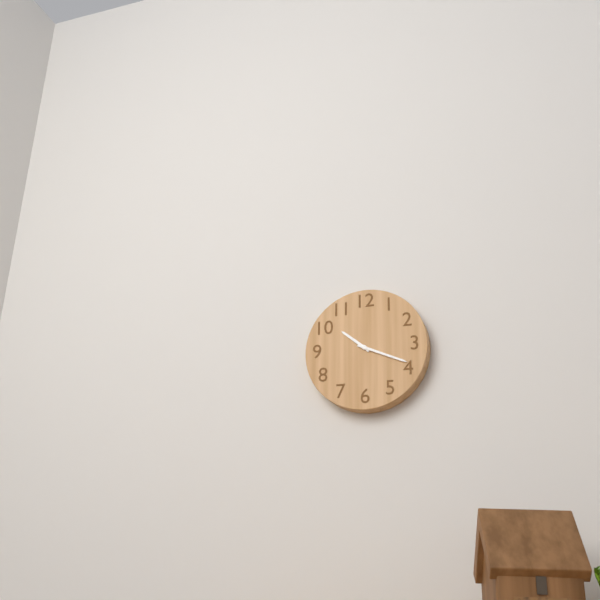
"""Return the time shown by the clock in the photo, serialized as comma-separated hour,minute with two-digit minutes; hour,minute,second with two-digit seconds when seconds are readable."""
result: 10,19
